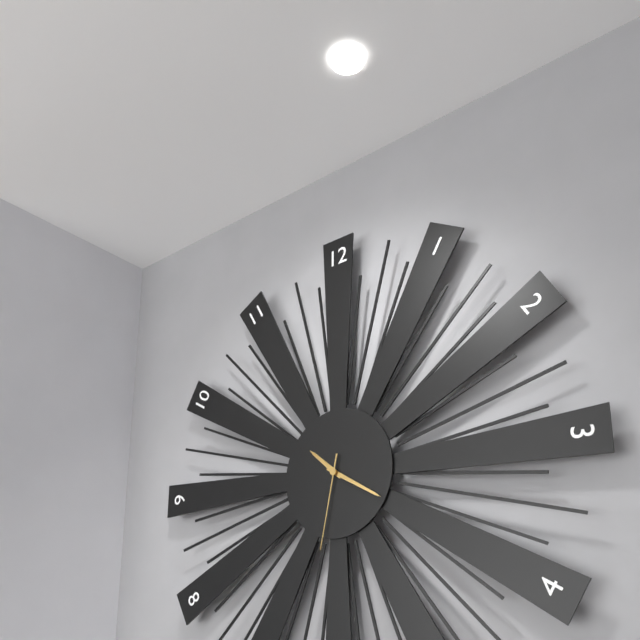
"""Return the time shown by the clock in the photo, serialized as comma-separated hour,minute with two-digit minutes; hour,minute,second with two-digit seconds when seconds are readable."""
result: 10,20,32
